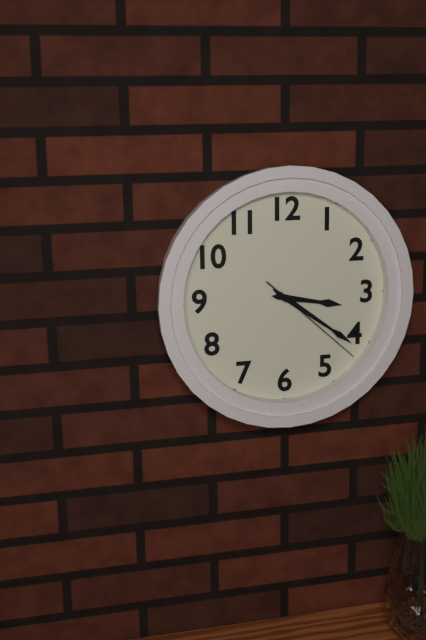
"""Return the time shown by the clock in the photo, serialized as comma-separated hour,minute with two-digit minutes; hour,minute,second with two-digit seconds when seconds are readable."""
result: 3,21,22
